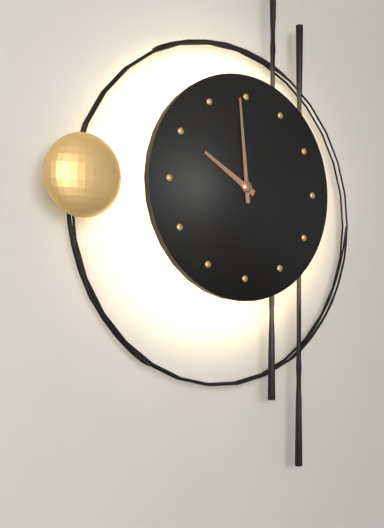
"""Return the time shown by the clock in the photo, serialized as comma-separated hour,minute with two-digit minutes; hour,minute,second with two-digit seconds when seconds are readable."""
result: 9,59
